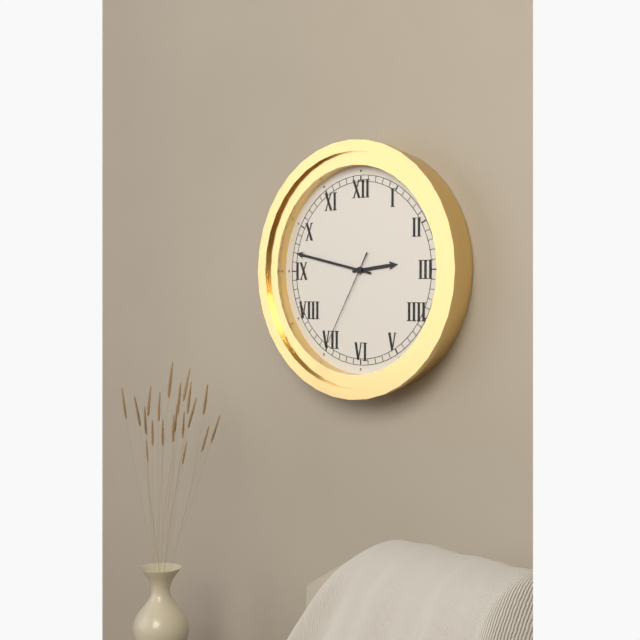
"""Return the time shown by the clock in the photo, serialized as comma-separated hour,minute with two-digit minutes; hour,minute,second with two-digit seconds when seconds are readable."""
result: 2,47,35
